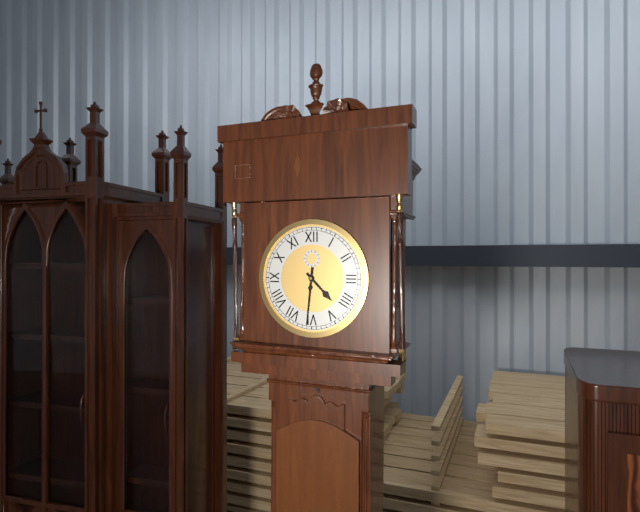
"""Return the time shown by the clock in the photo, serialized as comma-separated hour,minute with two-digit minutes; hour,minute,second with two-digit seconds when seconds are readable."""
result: 4,31
